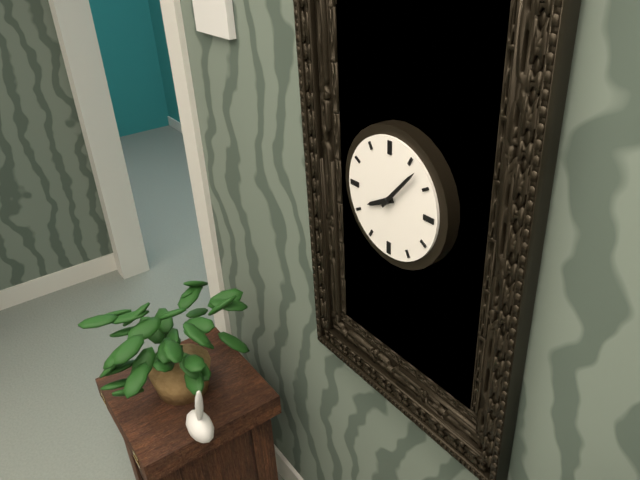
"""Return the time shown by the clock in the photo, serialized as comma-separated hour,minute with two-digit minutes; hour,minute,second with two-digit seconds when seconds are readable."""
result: 8,07
